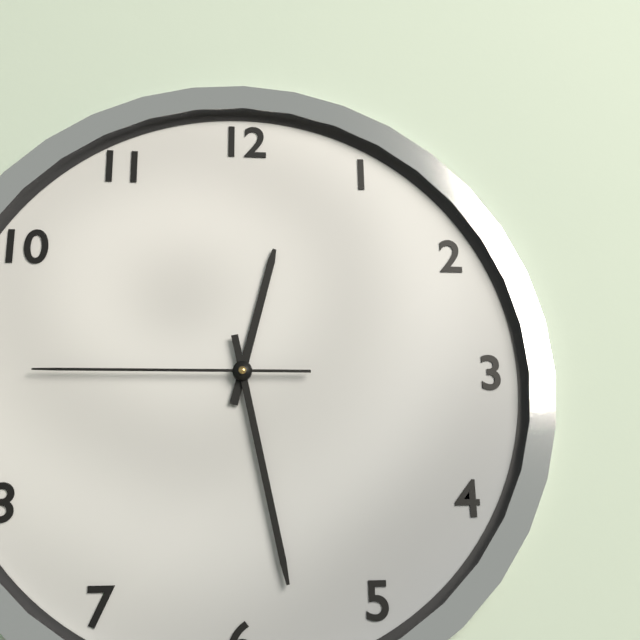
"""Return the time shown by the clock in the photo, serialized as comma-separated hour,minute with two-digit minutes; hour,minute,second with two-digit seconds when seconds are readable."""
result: 12,28,45
